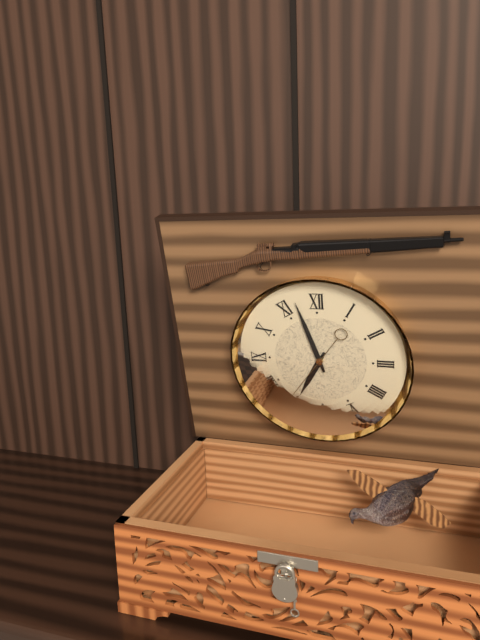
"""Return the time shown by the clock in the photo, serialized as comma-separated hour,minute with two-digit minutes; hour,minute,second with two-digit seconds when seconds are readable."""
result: 6,57,36
